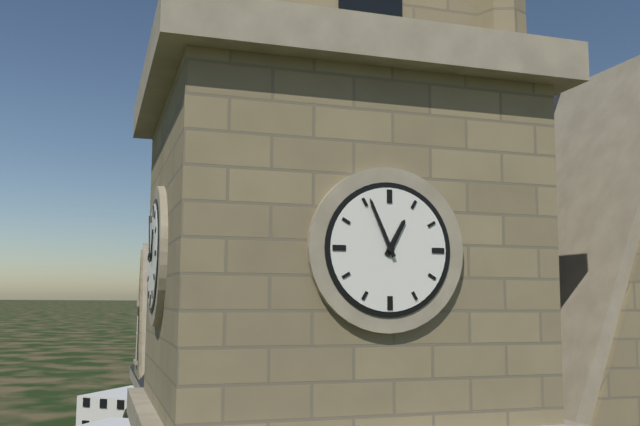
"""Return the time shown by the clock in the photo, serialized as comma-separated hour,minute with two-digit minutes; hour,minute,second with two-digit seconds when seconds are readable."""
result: 12,56
